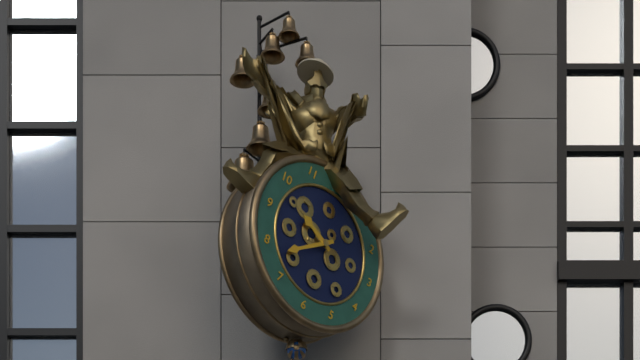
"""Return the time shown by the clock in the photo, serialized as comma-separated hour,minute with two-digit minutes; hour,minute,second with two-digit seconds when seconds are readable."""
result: 9,38
